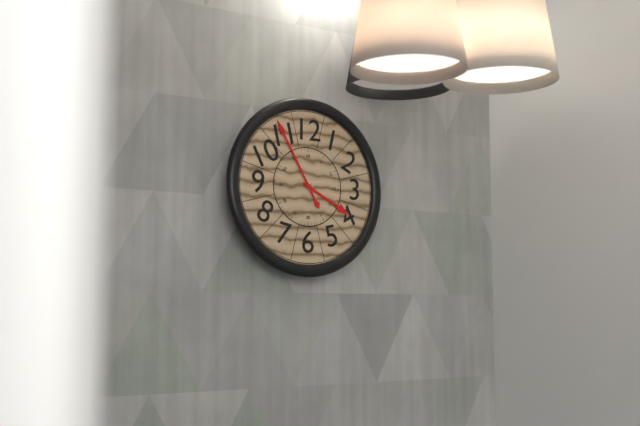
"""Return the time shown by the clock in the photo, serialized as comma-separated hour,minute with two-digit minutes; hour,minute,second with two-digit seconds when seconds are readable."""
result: 3,55
